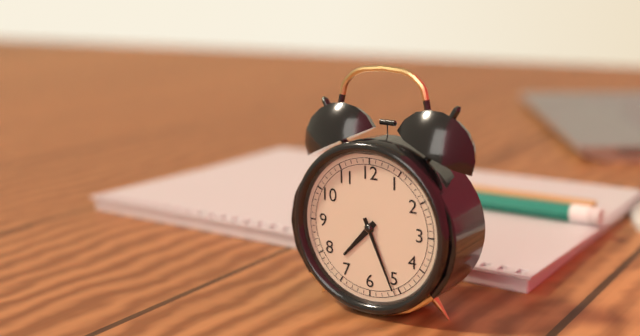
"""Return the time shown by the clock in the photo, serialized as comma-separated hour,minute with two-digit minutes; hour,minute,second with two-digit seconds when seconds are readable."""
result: 7,26
